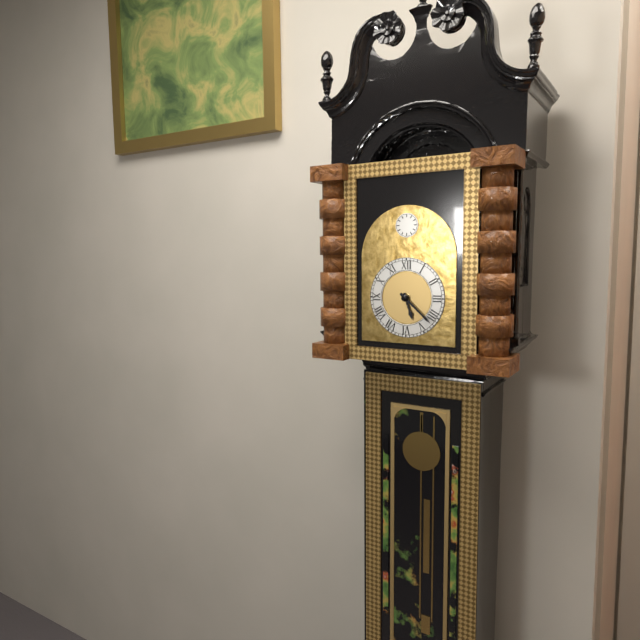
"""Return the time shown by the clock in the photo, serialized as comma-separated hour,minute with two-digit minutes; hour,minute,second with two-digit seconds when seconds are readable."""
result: 5,22
